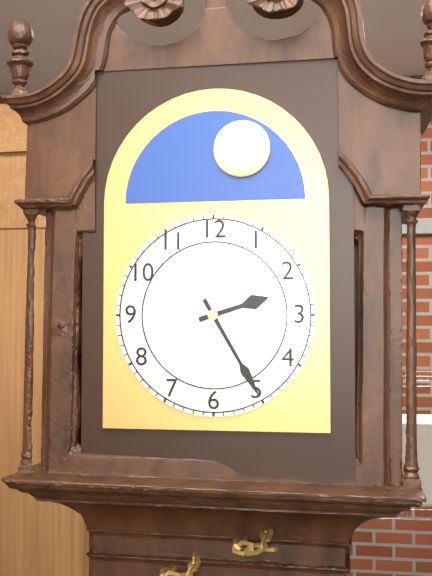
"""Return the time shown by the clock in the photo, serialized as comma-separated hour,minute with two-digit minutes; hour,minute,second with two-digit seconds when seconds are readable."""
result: 2,25
